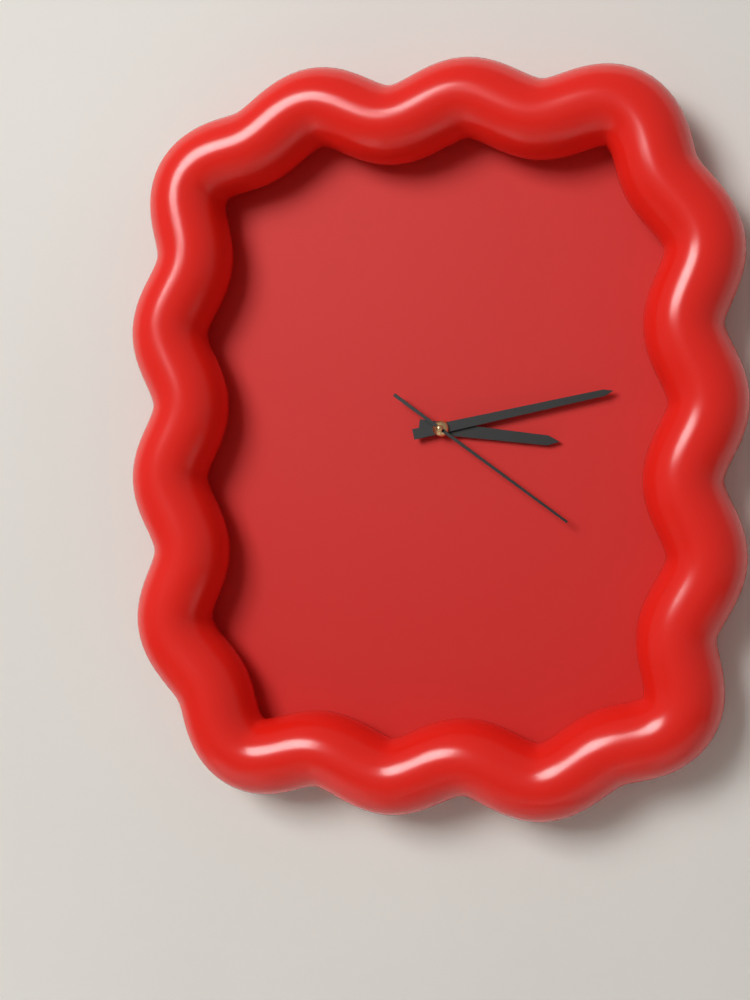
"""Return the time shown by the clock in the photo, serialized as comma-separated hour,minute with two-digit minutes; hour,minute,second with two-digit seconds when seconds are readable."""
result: 3,13,21
